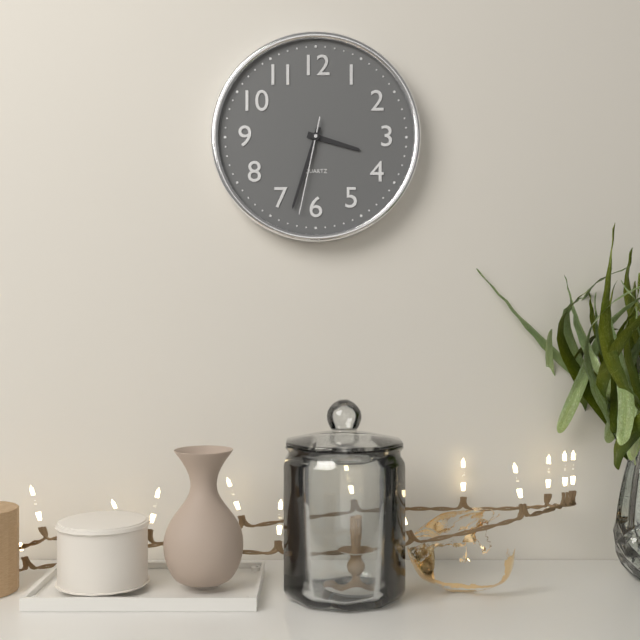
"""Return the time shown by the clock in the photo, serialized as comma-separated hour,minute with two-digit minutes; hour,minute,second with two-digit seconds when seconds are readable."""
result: 3,33,32
